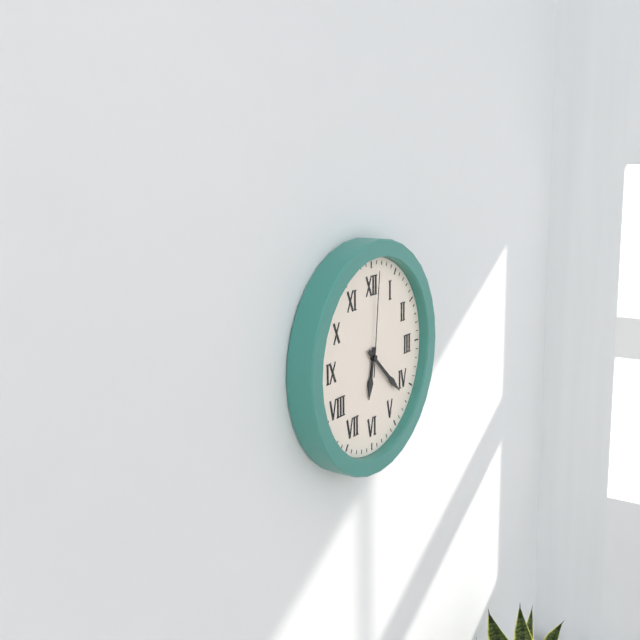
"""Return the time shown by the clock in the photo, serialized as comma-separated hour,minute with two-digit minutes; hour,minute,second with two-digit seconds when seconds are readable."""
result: 6,22,01
